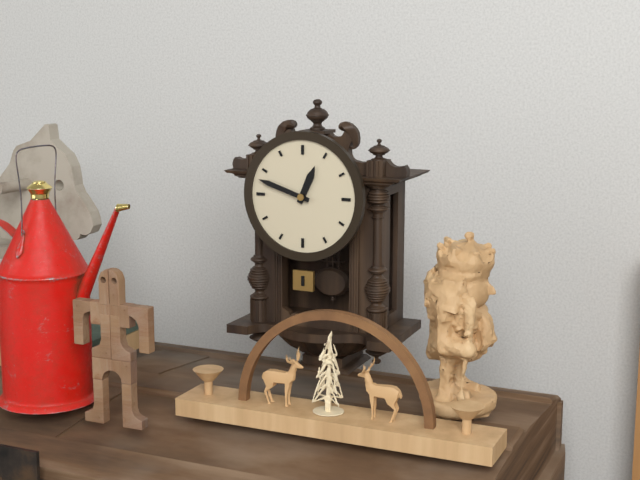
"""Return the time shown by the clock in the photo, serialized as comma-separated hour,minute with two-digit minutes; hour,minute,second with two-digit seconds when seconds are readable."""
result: 12,48
